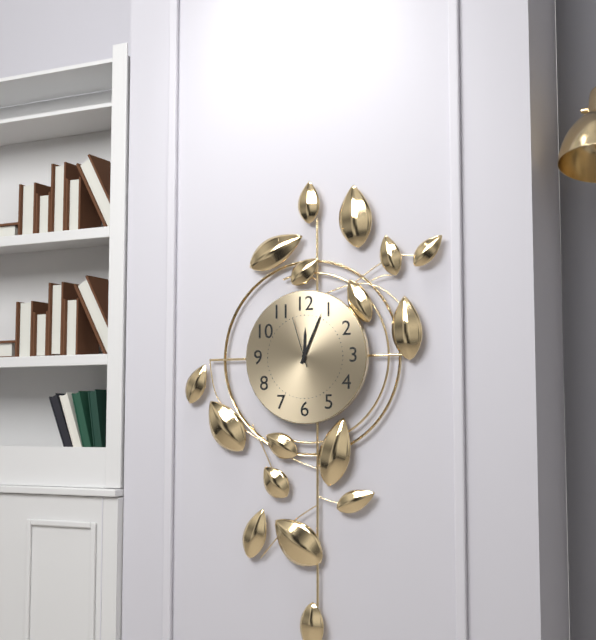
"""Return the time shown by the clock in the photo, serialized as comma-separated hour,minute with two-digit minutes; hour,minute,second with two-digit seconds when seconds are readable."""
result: 12,04,57
